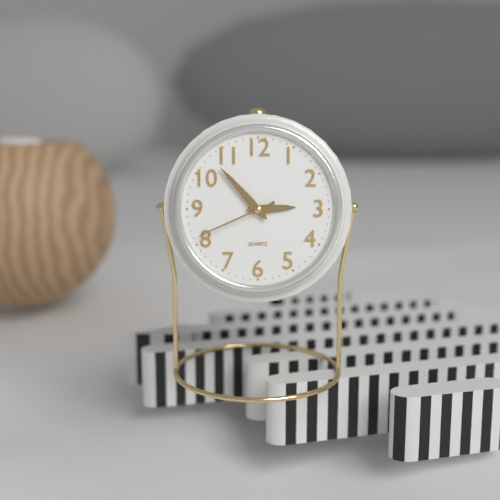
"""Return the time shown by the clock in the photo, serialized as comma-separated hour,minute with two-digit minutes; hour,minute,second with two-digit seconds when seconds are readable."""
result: 2,53,41
